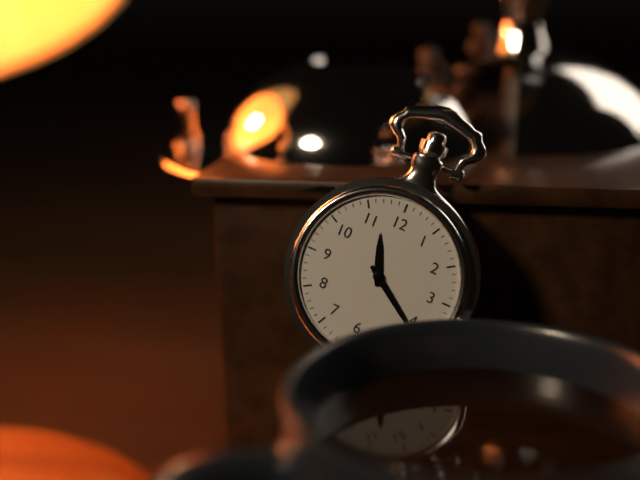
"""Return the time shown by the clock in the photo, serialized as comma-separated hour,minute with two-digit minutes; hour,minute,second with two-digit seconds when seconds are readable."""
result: 11,21
